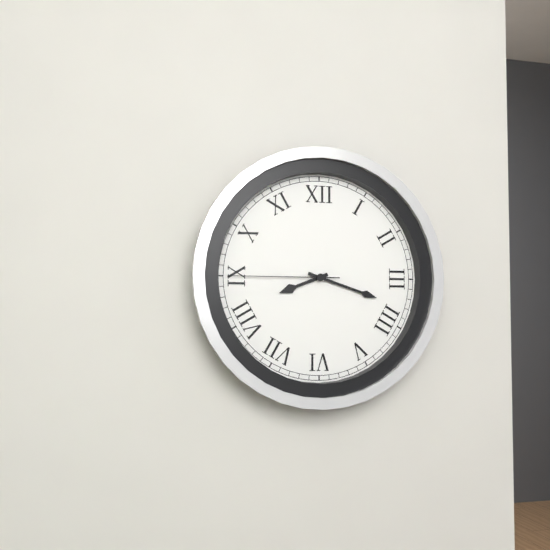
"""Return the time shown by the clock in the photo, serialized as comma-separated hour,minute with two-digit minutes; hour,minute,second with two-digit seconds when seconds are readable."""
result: 8,18,45
